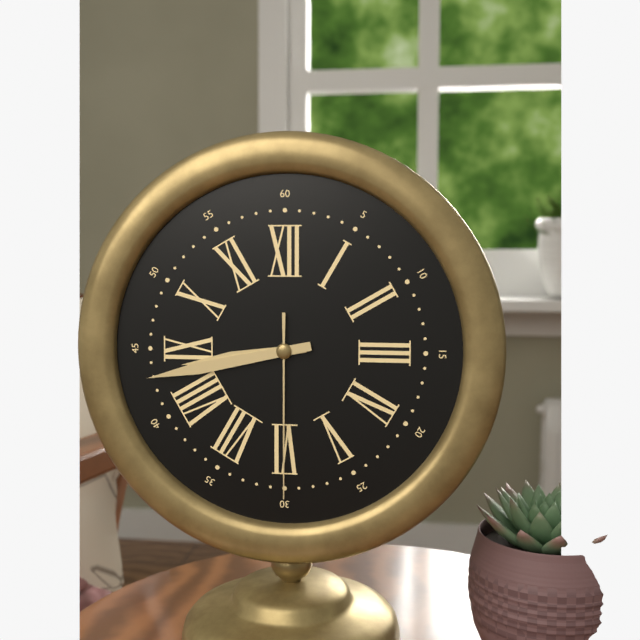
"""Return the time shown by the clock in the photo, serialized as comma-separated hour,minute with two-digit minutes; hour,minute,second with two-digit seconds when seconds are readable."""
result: 8,43,30
